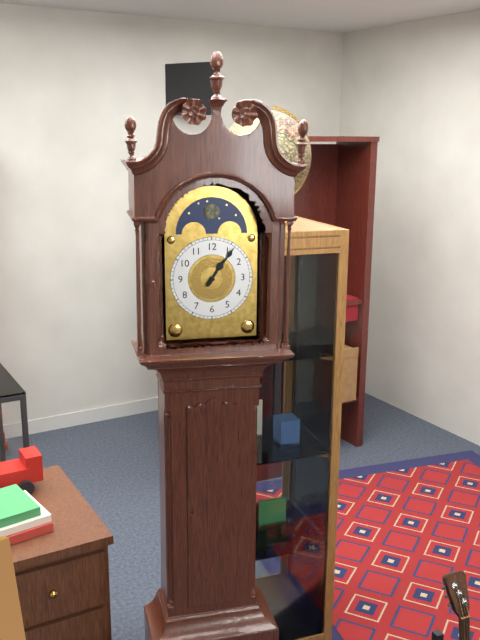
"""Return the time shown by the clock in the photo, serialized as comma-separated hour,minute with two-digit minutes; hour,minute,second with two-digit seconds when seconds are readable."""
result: 1,06
